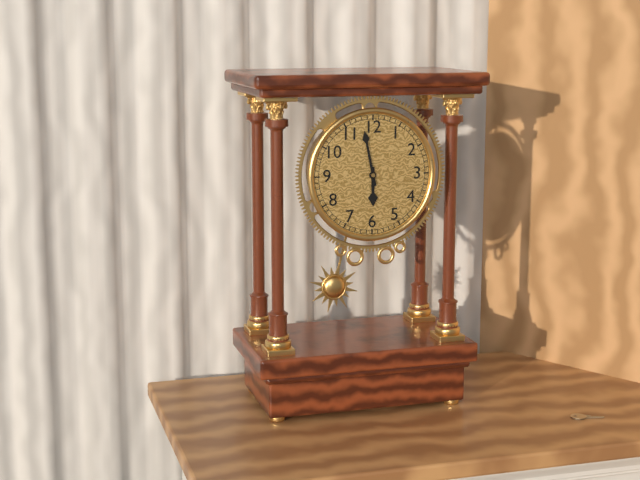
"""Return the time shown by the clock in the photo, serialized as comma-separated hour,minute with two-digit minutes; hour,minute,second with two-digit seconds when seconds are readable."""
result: 5,58
